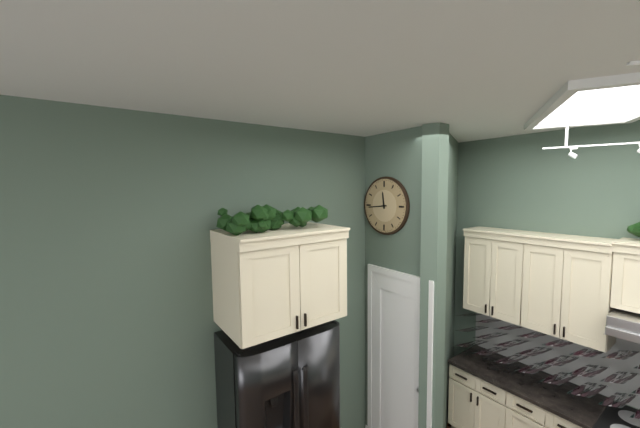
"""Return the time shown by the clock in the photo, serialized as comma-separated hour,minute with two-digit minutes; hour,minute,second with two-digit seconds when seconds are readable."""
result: 11,44
